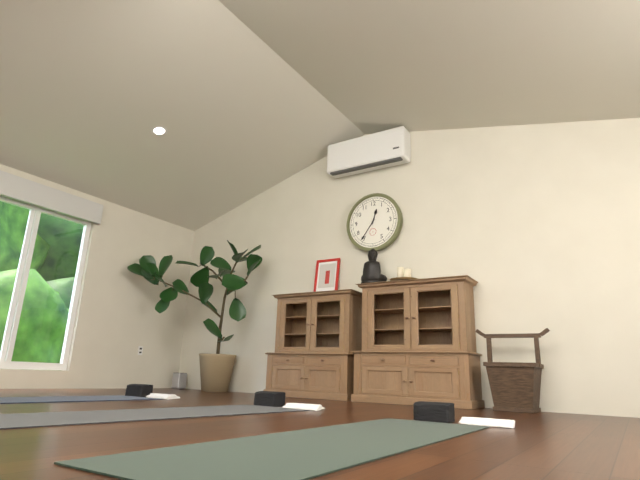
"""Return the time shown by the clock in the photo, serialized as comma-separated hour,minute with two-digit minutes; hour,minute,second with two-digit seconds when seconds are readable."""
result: 12,36
